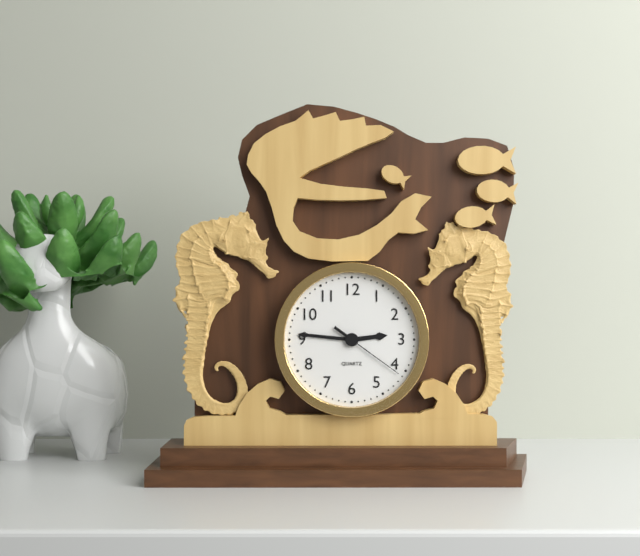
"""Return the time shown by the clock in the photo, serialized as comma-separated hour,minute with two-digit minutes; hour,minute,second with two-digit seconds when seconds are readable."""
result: 2,46,21
